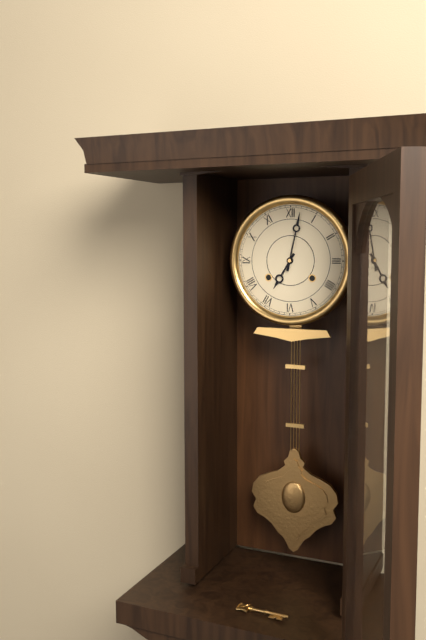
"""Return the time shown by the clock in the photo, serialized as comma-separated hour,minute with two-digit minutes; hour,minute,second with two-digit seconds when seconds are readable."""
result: 7,02
